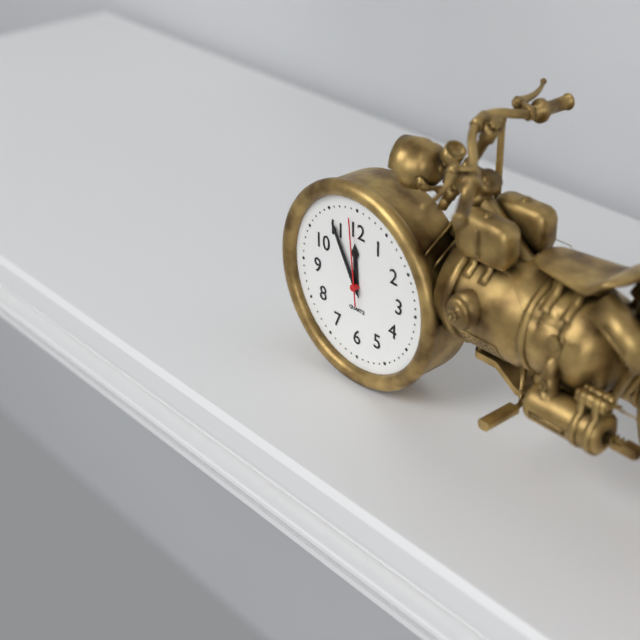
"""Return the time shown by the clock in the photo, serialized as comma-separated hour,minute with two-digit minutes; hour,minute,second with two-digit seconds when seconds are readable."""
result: 11,55,59
